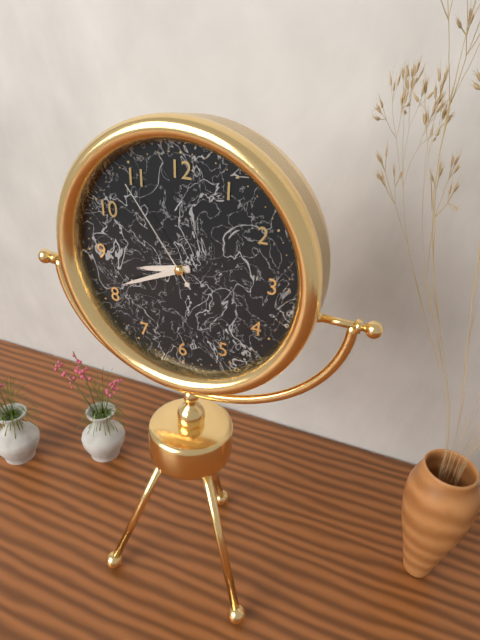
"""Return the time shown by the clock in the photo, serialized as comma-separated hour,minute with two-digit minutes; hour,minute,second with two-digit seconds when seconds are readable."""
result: 8,41,54
